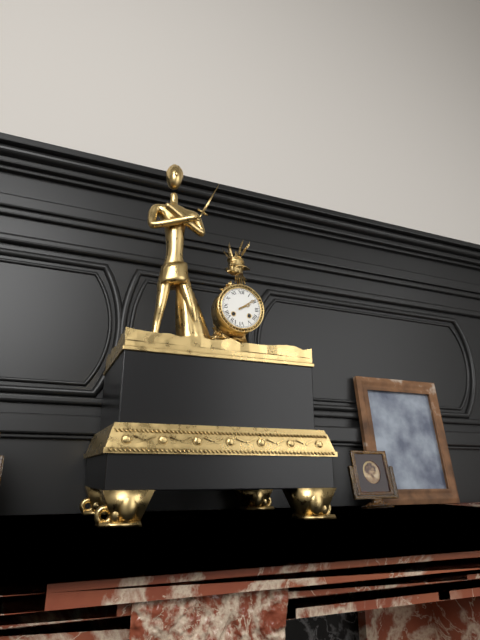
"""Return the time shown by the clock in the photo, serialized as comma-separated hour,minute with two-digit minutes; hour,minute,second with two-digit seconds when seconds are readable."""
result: 2,09
